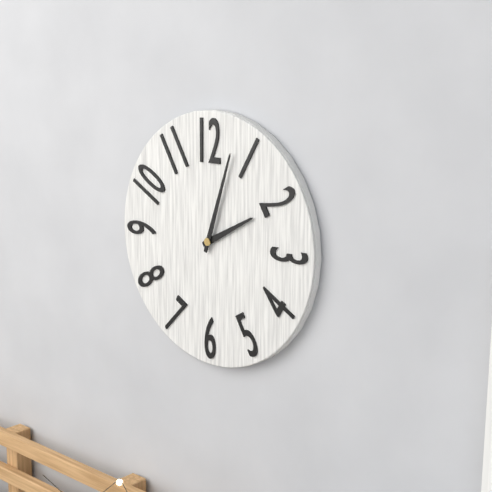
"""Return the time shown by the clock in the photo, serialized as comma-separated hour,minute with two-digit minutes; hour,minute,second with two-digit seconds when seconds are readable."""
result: 2,03
